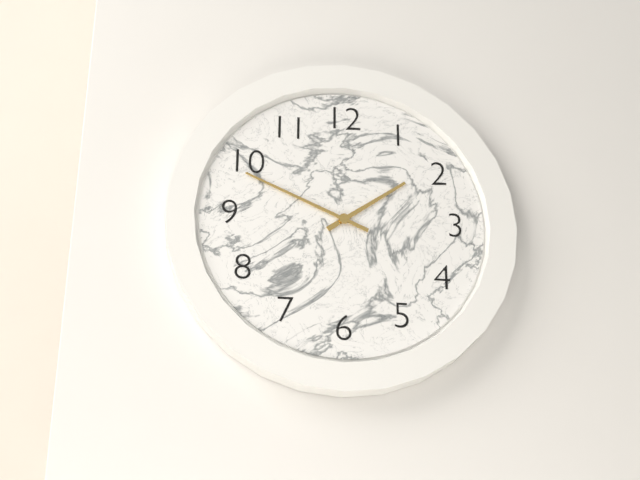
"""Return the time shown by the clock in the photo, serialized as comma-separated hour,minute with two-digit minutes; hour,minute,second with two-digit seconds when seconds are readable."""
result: 1,49
